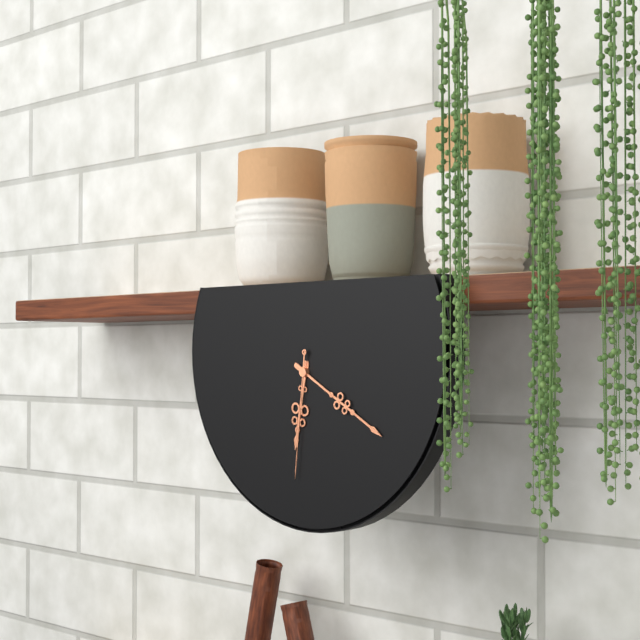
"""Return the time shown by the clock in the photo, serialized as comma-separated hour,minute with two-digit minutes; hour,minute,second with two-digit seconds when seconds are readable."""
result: 6,20,31
